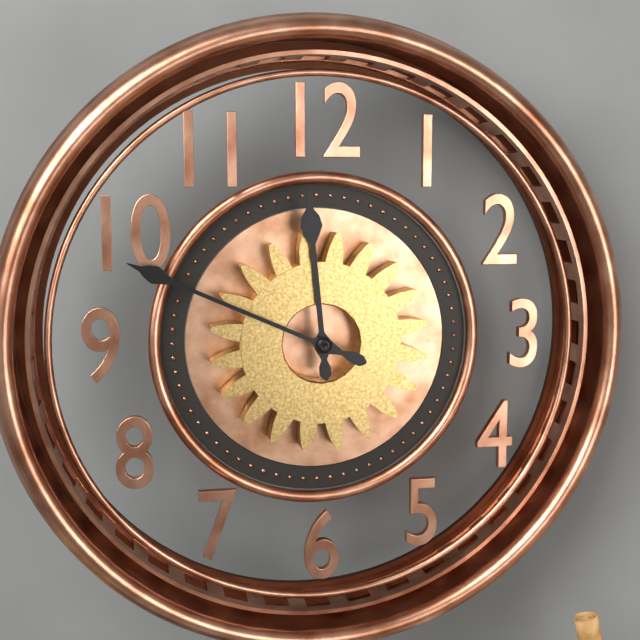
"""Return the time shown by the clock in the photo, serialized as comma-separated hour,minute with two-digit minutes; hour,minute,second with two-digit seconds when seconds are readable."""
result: 11,49
